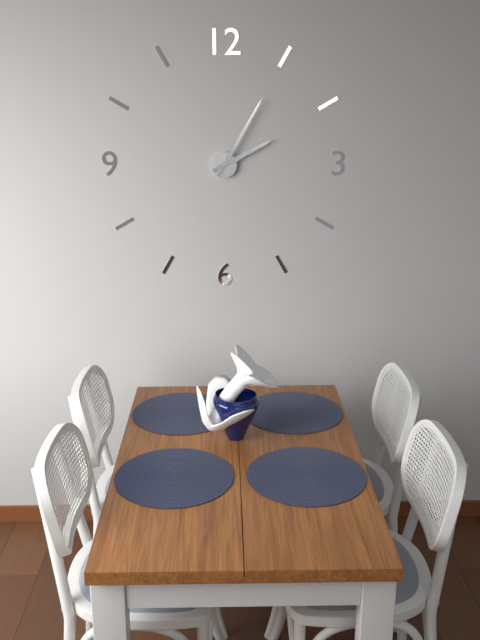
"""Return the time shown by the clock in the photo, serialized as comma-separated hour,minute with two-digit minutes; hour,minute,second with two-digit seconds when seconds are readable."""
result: 2,05
